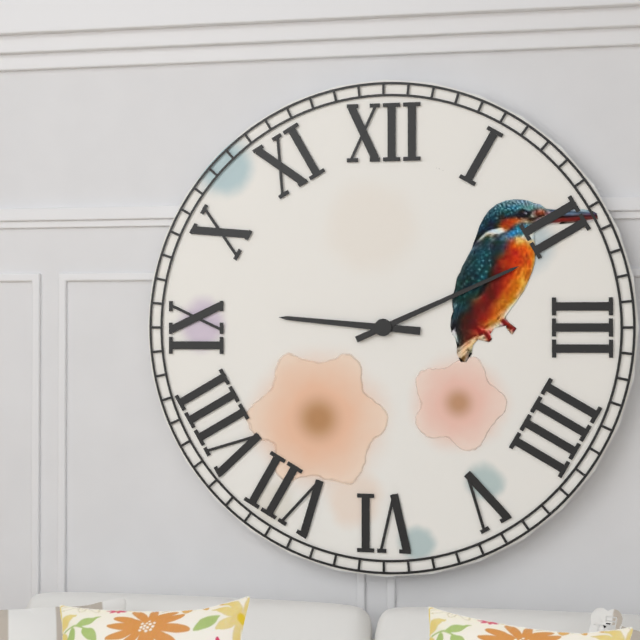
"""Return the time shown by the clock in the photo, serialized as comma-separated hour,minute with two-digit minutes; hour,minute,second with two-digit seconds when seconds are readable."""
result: 9,11
